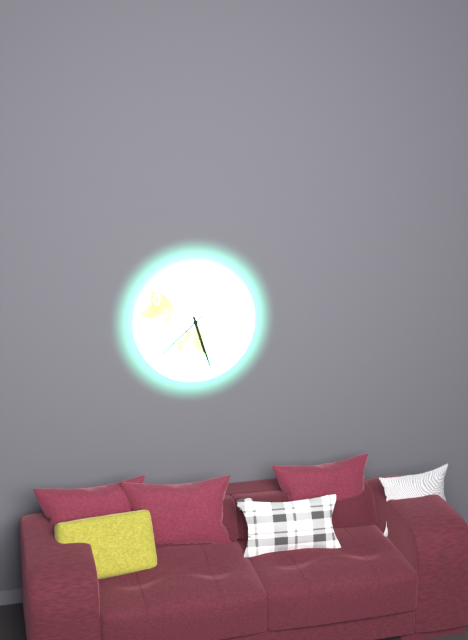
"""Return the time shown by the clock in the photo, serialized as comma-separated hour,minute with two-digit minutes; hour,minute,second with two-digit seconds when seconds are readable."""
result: 5,27,38
